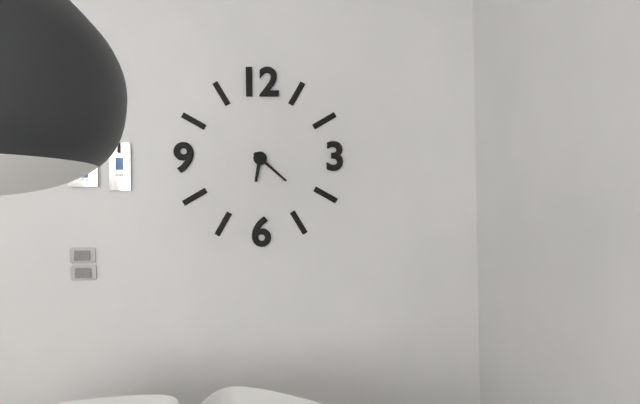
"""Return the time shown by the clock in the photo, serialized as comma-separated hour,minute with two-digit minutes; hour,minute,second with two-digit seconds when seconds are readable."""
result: 6,22
